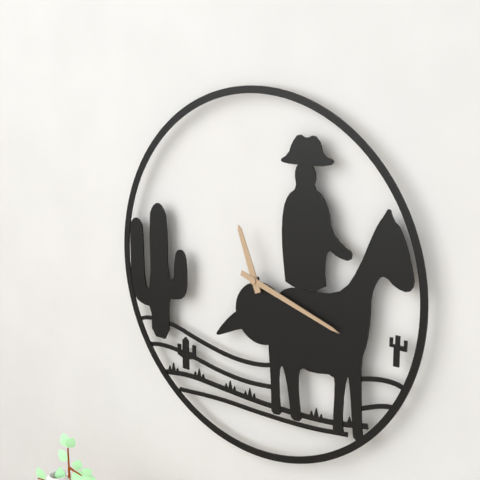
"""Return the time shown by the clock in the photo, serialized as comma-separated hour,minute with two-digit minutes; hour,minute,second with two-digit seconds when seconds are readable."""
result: 11,18
